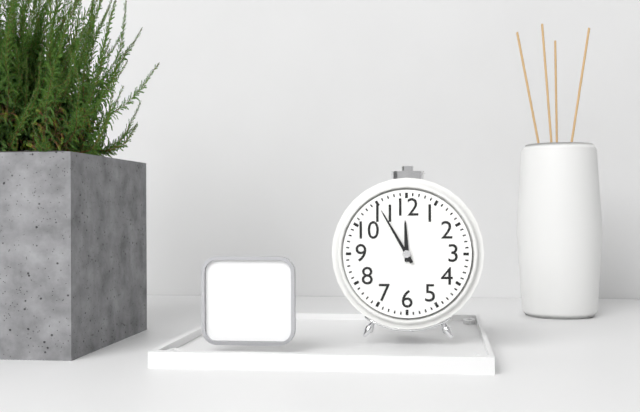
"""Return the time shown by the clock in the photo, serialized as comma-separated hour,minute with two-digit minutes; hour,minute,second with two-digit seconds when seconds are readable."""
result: 11,55
